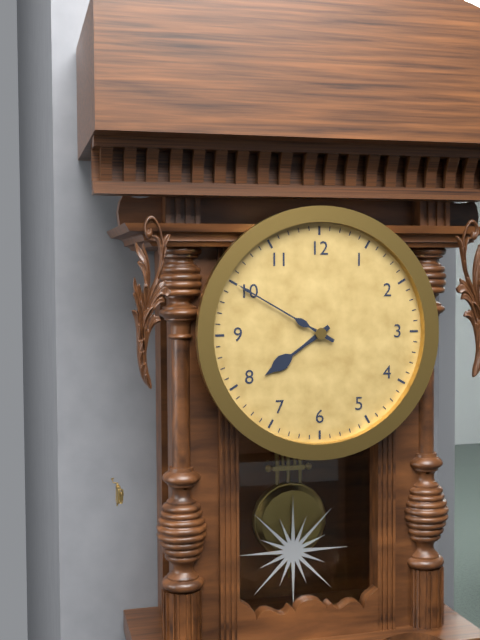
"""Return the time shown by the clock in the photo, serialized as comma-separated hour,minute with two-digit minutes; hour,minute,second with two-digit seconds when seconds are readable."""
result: 7,50
